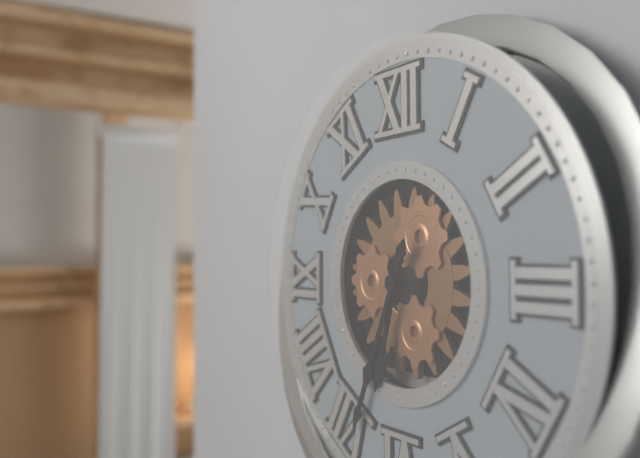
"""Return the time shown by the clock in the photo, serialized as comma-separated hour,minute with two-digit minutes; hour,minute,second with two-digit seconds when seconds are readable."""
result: 6,34
